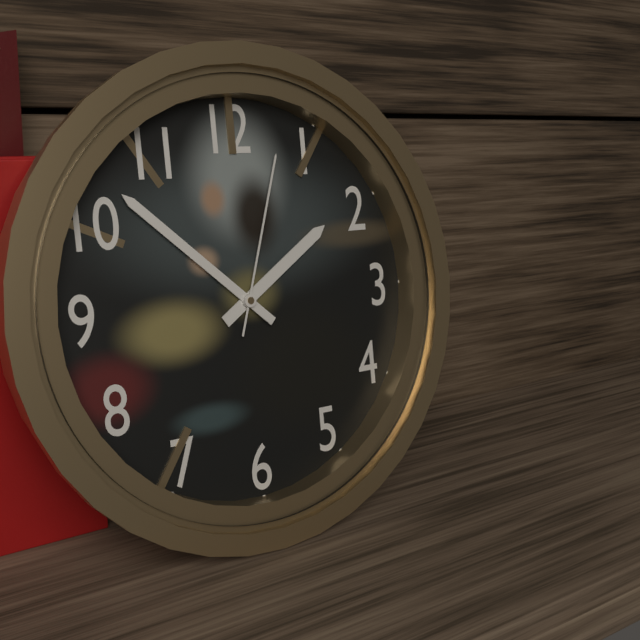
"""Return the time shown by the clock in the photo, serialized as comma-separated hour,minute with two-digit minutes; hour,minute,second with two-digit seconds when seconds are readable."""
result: 1,52,03
